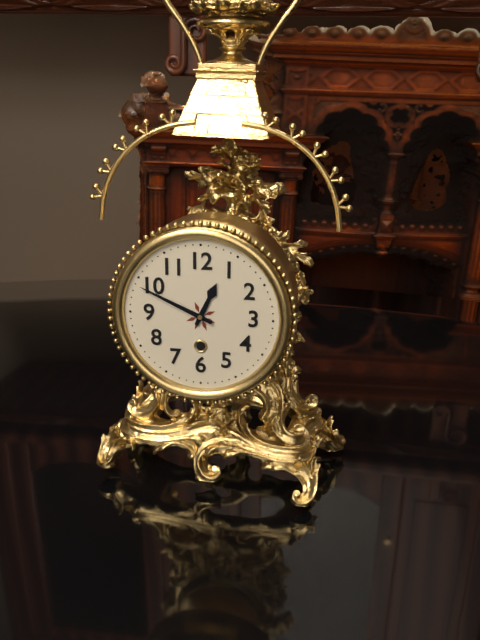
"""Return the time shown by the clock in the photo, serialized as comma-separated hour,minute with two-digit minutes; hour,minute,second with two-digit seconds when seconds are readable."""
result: 12,49
